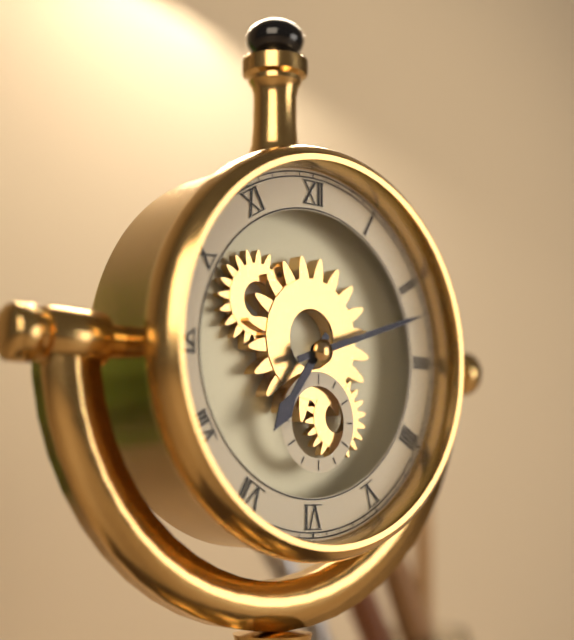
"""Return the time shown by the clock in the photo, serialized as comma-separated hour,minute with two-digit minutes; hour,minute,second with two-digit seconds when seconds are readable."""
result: 7,12
